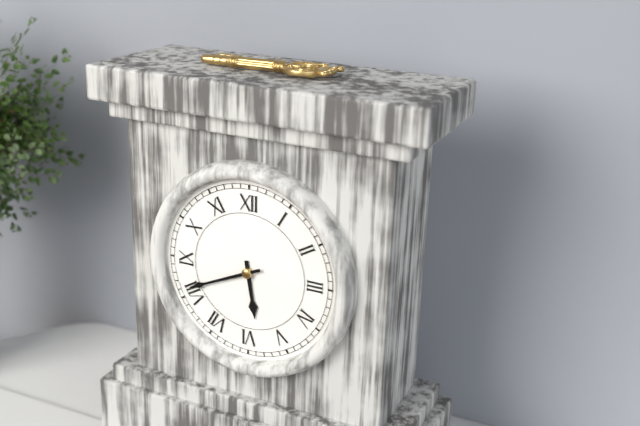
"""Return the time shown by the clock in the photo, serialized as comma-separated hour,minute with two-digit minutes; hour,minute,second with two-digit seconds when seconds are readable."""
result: 5,41
